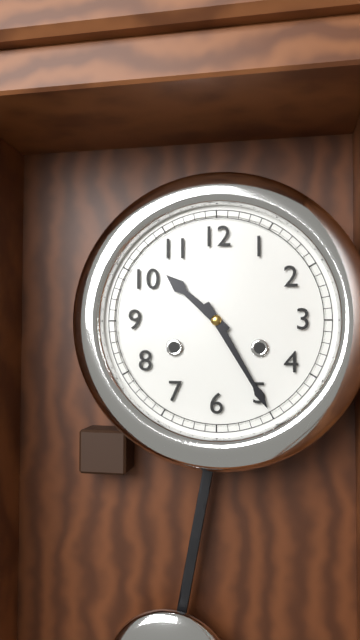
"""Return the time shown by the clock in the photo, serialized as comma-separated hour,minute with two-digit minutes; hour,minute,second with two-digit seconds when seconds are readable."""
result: 10,25
